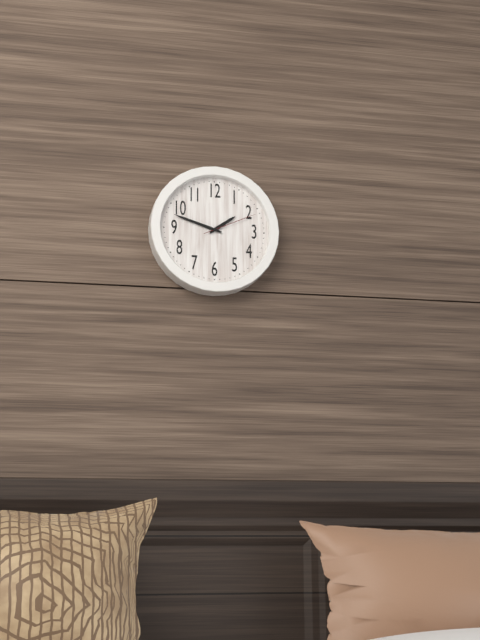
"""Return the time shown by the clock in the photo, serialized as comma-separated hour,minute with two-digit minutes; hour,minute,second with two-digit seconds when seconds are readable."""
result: 1,48,11
